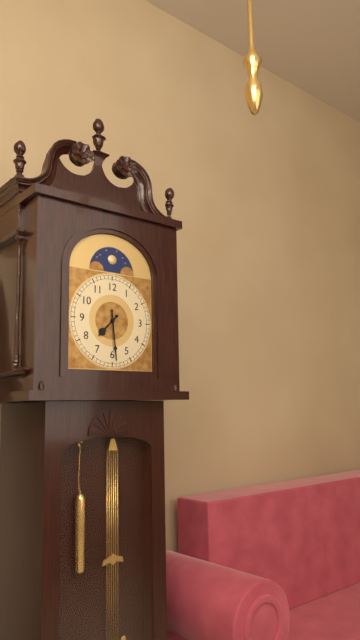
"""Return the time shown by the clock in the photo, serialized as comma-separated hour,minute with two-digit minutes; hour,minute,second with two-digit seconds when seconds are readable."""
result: 7,29
